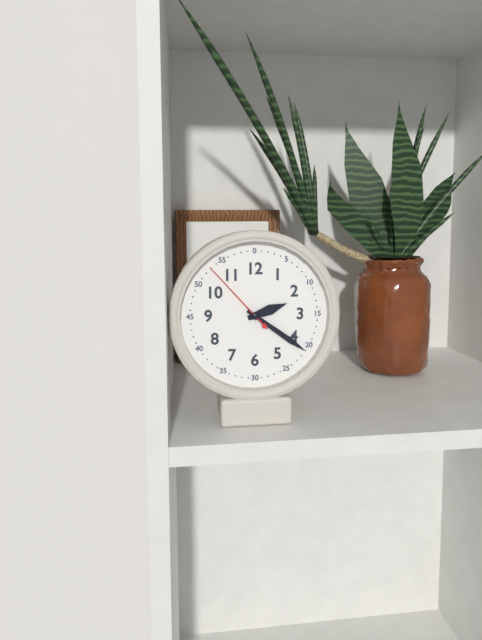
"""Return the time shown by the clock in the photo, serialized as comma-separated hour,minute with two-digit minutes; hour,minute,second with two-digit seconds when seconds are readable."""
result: 2,21,53
